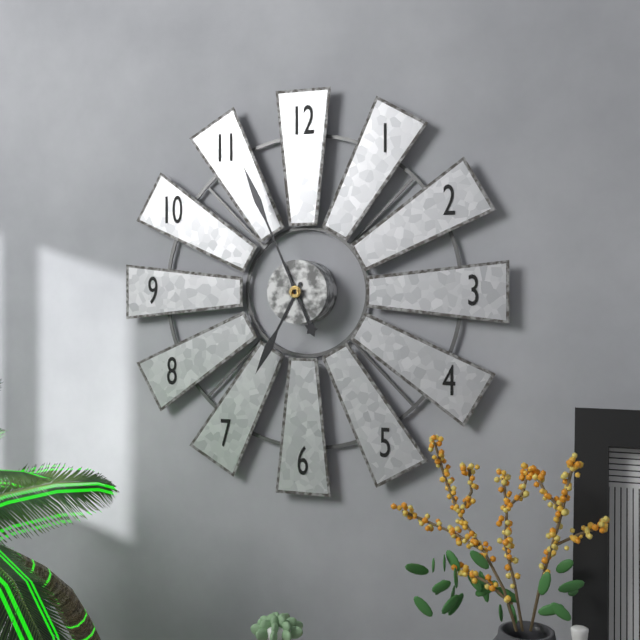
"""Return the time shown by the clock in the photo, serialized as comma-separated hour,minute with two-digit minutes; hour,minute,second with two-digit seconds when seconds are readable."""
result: 6,56
